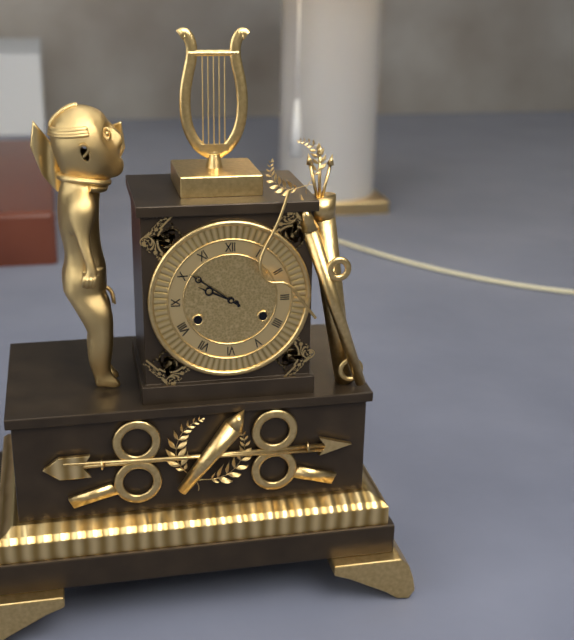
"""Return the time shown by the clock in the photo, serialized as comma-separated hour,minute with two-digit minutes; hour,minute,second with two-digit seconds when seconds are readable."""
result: 9,51
